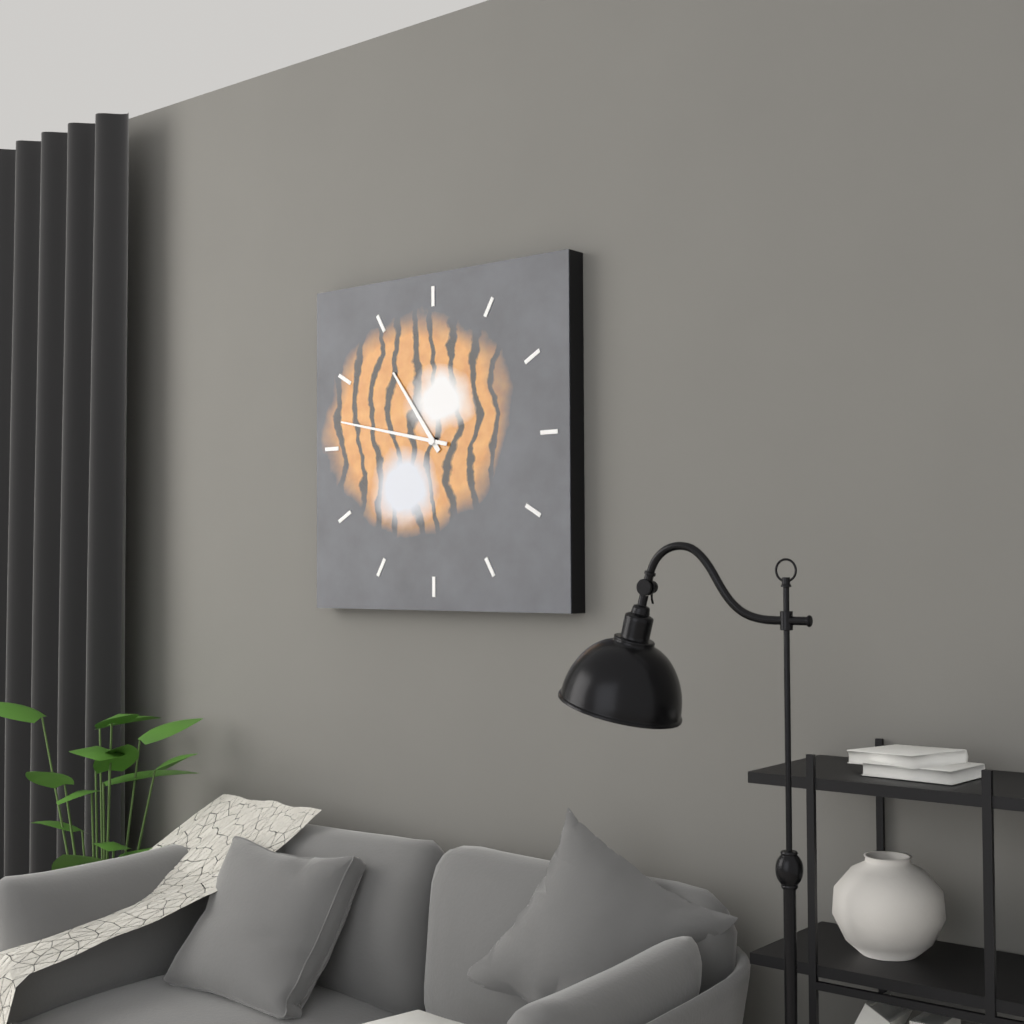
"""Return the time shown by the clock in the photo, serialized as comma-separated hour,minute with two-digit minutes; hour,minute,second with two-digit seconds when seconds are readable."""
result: 10,47
